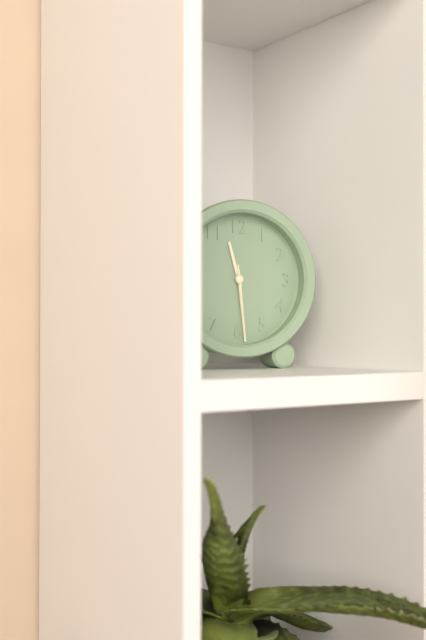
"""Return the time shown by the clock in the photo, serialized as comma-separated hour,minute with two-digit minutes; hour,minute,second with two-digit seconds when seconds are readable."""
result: 11,29,29
